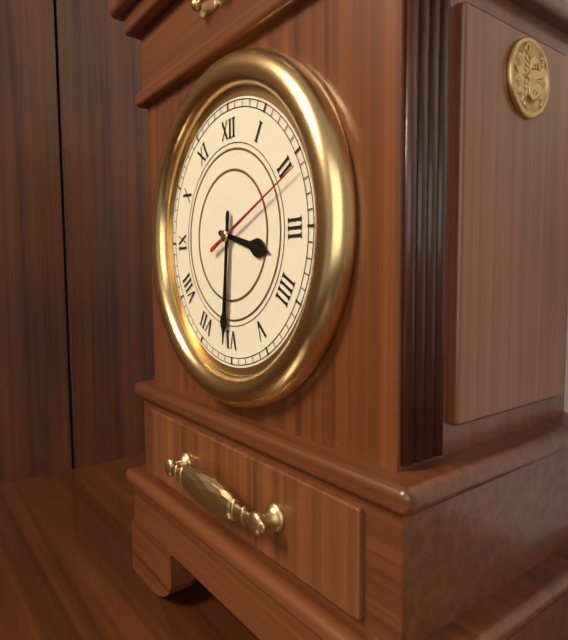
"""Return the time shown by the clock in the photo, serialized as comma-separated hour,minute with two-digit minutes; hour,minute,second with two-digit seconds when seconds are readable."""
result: 3,31,11
